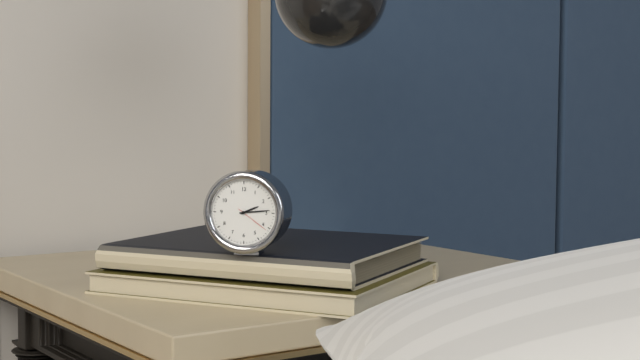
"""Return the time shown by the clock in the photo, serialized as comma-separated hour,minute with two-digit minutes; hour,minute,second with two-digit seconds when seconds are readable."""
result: 2,14
